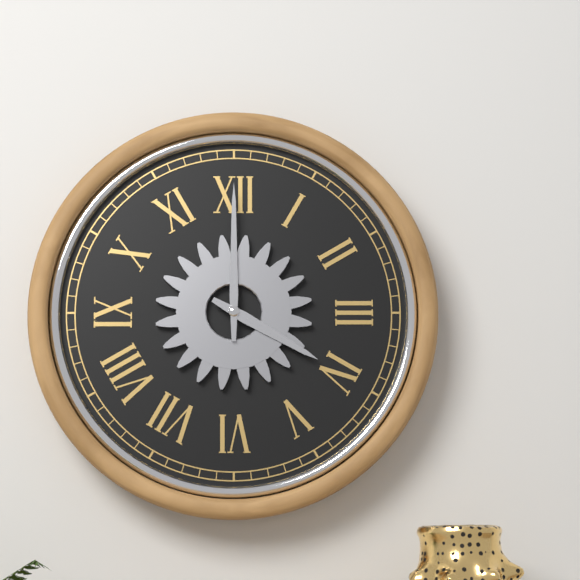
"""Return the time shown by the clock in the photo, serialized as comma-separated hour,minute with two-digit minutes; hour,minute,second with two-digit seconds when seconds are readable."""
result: 4,00
